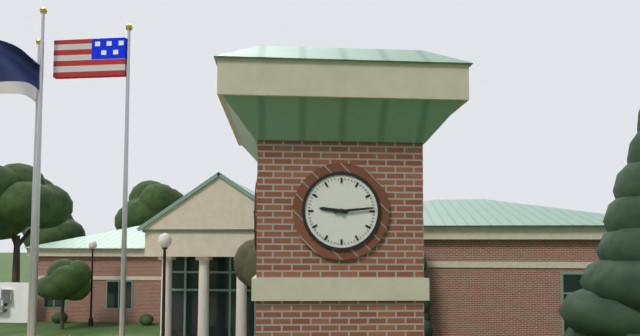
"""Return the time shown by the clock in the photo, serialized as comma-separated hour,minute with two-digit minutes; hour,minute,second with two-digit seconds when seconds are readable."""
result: 9,14
